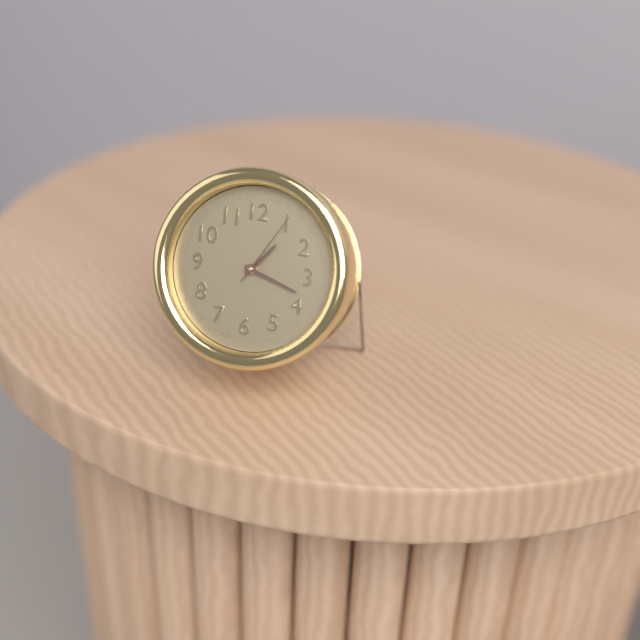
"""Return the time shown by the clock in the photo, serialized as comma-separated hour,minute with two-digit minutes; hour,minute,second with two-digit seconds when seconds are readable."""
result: 1,18,05
